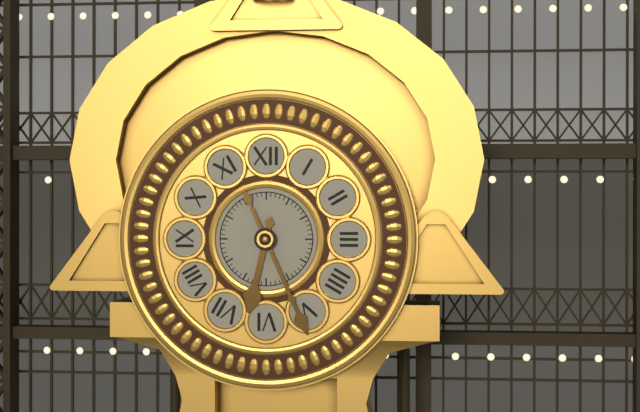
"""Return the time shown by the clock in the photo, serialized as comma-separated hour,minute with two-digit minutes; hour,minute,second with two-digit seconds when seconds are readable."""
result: 6,26
